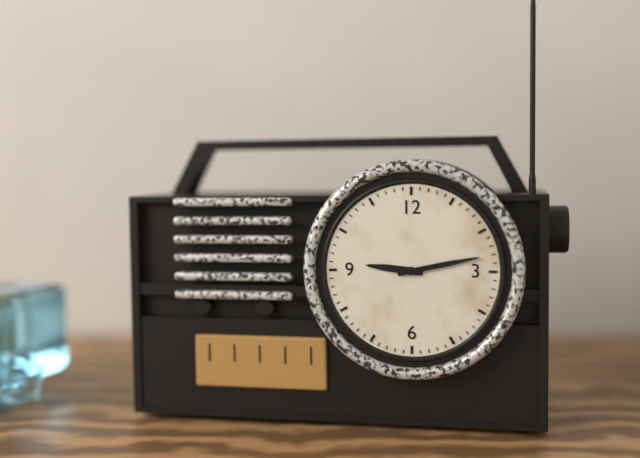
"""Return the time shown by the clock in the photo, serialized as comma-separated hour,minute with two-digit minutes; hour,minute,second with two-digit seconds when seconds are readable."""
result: 9,13
